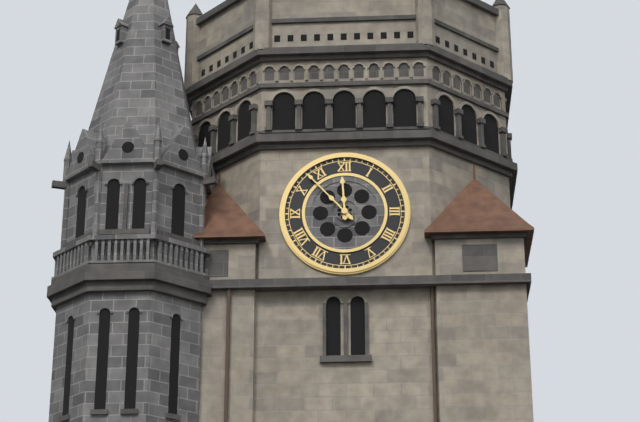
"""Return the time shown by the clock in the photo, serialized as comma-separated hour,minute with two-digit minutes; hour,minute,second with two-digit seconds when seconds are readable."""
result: 11,53
